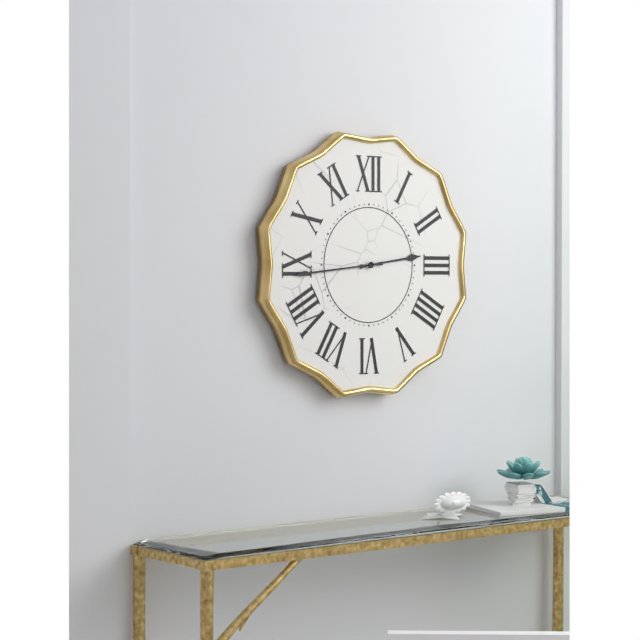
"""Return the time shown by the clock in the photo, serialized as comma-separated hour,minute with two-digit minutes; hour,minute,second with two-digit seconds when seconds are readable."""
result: 2,44
